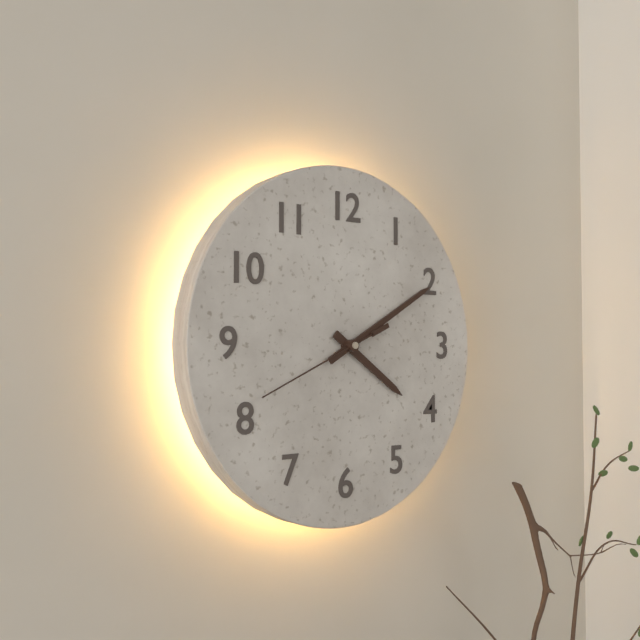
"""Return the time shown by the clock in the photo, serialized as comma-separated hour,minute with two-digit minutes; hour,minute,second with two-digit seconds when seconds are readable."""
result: 4,10,41
